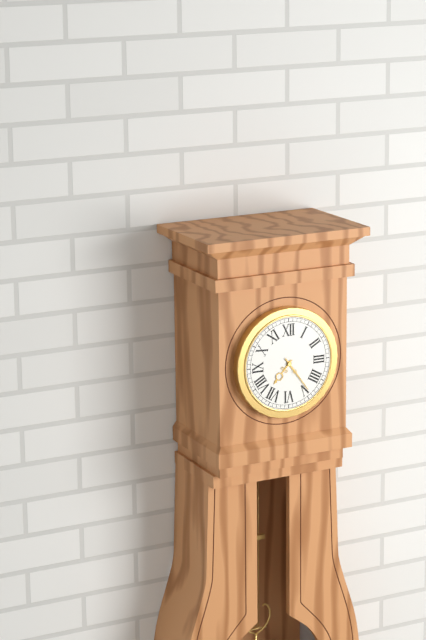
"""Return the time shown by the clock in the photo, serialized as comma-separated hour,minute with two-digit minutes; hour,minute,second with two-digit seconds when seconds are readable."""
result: 7,24
